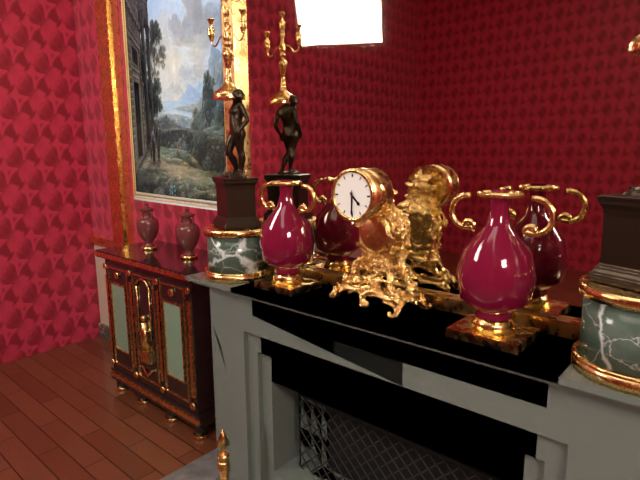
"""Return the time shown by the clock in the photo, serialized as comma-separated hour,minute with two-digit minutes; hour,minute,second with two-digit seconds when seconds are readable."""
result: 4,30
